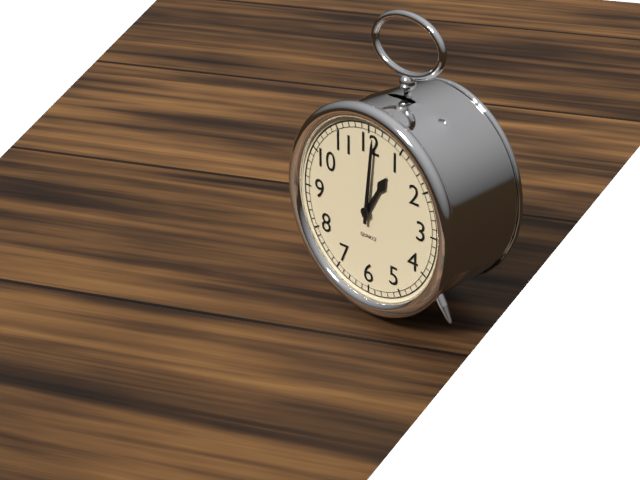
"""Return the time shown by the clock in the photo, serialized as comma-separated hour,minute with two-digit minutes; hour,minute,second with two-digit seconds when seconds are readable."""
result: 1,01
